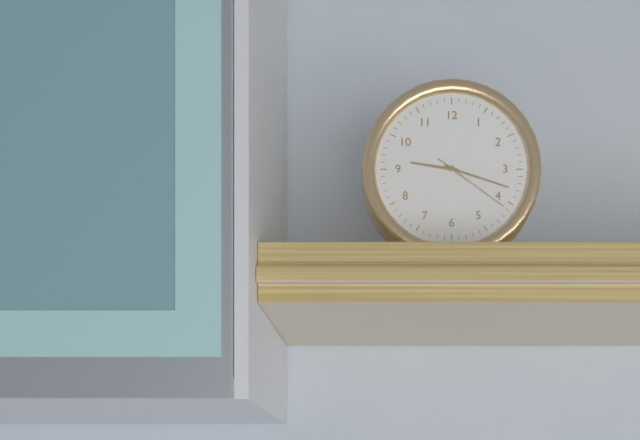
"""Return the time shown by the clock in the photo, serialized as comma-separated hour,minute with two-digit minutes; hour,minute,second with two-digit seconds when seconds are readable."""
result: 9,18,21
